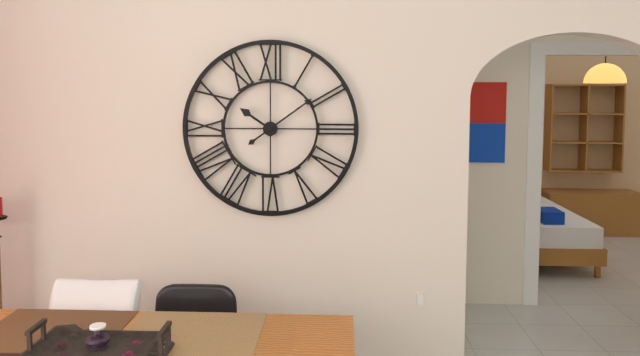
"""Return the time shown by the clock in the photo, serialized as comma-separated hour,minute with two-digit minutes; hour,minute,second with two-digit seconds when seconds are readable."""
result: 10,09
